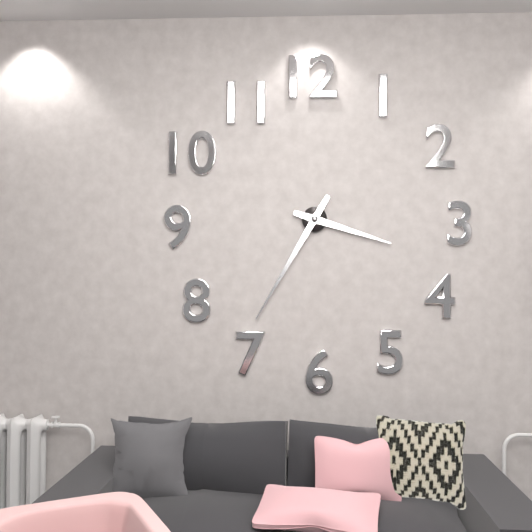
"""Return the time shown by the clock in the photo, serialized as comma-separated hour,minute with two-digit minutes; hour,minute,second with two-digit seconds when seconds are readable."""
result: 3,35
